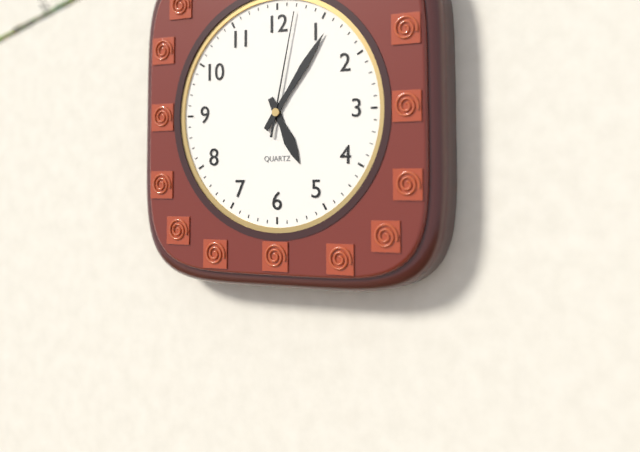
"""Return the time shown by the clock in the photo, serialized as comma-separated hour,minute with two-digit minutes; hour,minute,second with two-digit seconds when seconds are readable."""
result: 5,06,02
